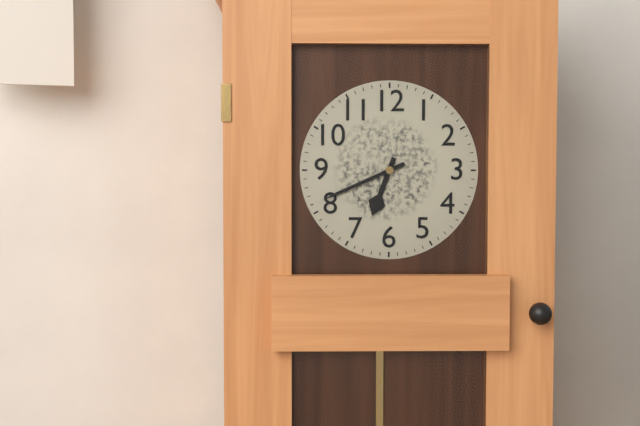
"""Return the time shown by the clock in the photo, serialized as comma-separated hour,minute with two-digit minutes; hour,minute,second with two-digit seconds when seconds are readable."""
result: 6,41
